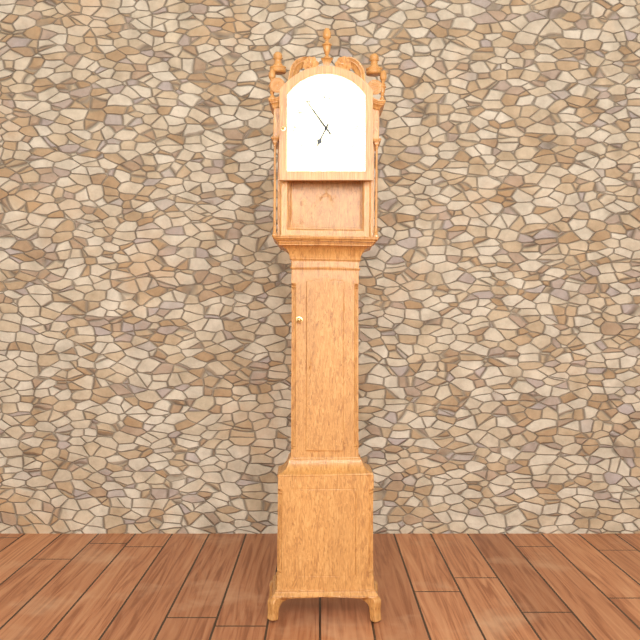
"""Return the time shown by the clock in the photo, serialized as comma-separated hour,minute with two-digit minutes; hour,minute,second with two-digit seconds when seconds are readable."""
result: 6,54
